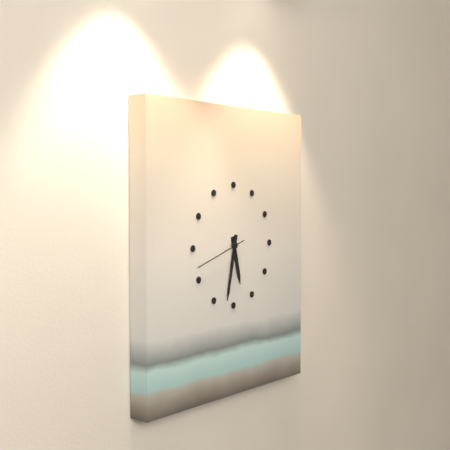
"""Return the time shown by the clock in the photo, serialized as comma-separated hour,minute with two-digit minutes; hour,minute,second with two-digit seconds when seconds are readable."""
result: 5,32,42
